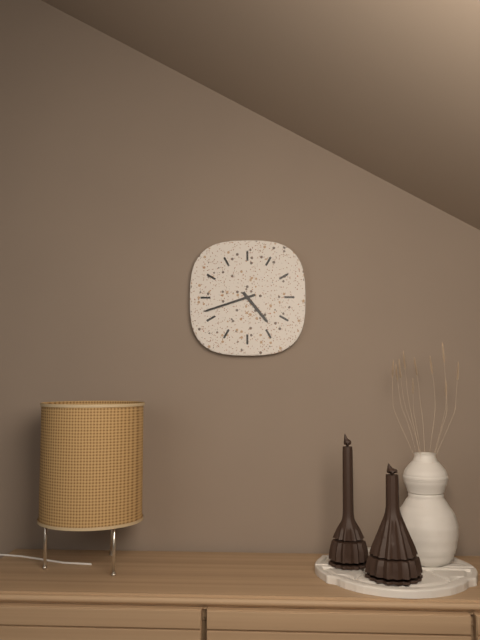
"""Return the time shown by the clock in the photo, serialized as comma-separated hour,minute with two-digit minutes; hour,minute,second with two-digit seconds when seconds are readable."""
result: 4,42
